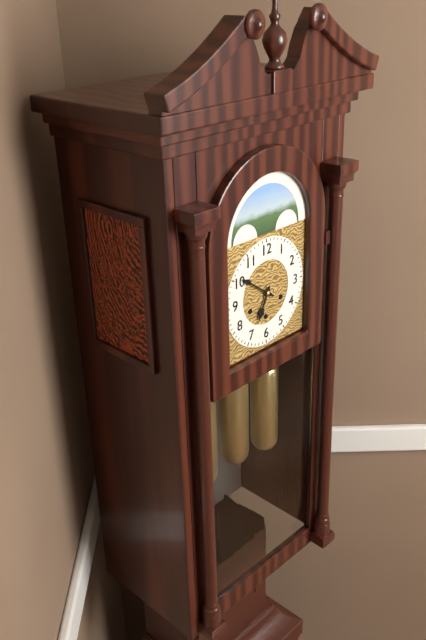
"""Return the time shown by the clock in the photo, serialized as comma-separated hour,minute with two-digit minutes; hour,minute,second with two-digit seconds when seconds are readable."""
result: 6,51
